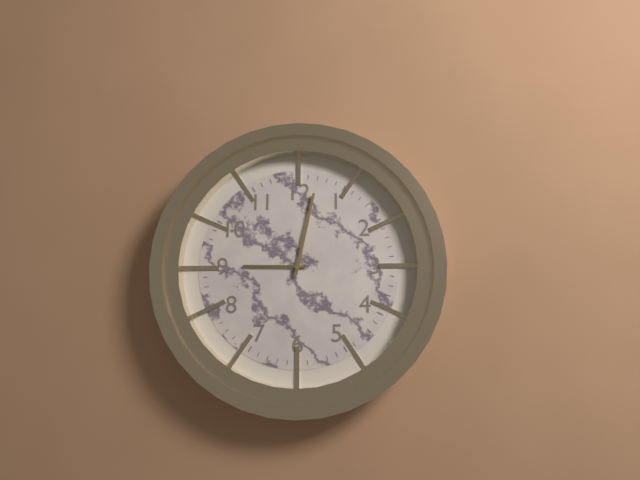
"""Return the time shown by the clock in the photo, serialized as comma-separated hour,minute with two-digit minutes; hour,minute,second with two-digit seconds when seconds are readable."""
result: 9,02
